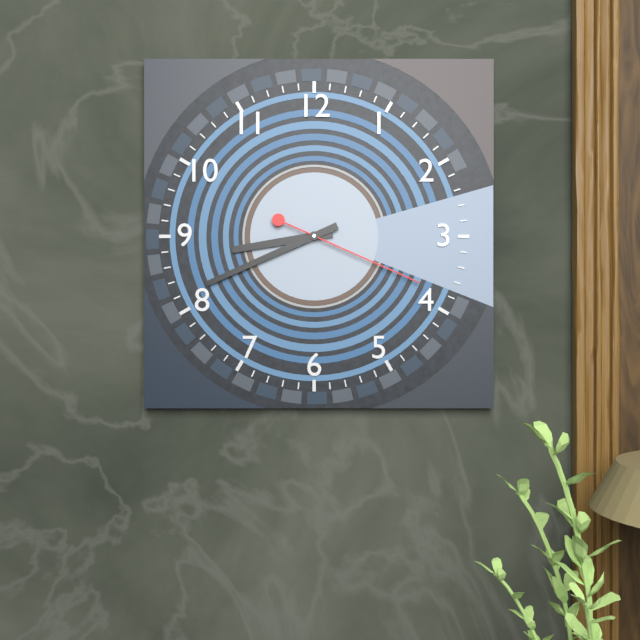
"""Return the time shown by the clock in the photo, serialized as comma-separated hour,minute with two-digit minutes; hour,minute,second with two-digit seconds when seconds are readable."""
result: 8,41,19
